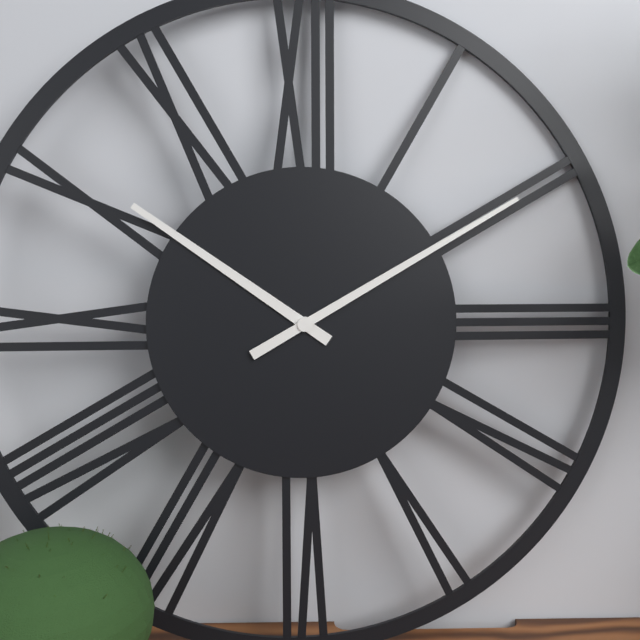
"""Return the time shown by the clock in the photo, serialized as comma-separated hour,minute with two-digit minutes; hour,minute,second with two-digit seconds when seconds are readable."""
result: 10,10
